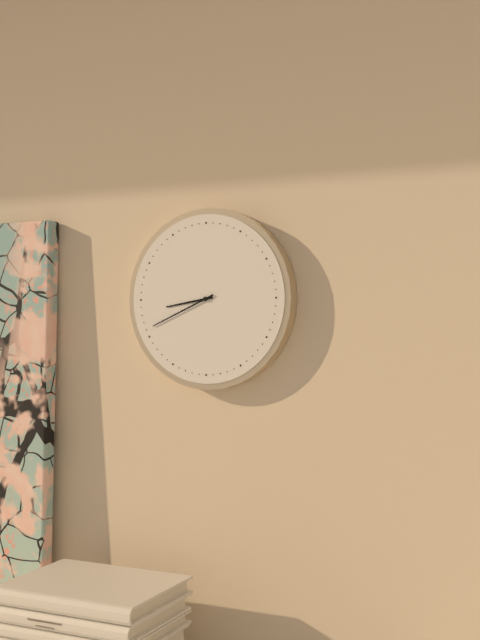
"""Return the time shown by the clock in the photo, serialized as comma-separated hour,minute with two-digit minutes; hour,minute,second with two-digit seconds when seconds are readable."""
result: 8,41
